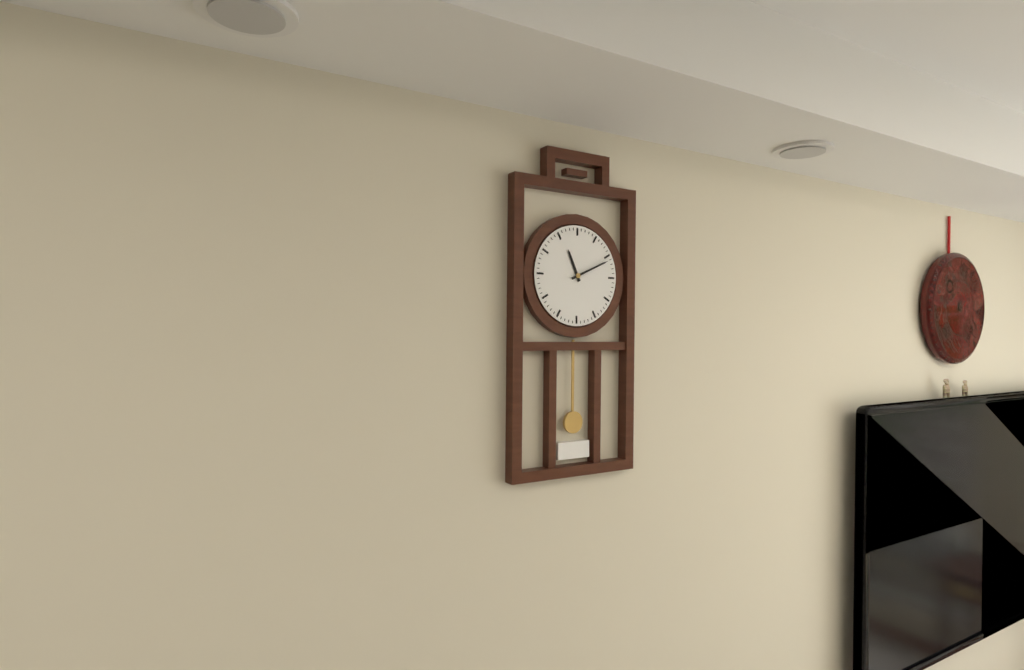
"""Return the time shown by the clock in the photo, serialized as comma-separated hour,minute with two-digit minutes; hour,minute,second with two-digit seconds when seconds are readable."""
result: 11,11
